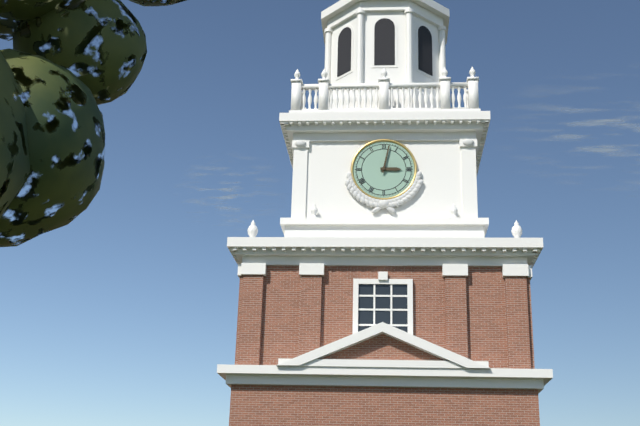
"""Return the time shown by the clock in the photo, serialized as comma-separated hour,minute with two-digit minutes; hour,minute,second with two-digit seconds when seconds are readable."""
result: 3,02
